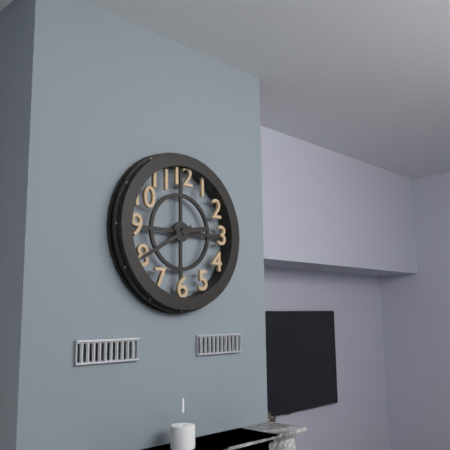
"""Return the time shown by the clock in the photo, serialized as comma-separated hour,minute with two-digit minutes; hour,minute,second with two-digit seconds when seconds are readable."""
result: 2,40
